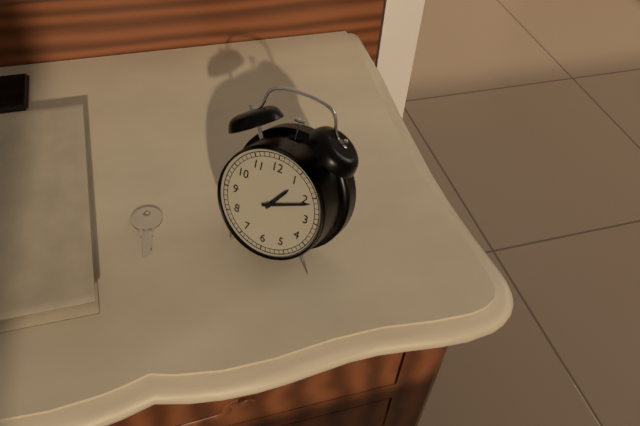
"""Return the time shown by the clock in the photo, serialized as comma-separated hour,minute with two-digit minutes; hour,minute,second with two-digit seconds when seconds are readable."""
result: 1,11
